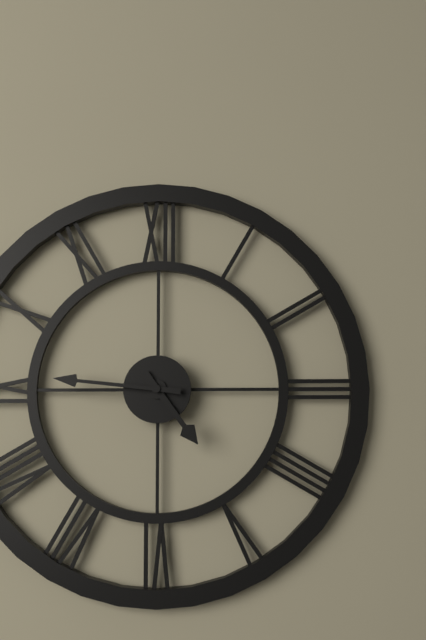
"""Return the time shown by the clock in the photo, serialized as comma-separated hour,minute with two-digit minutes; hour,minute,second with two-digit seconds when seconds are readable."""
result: 4,46
